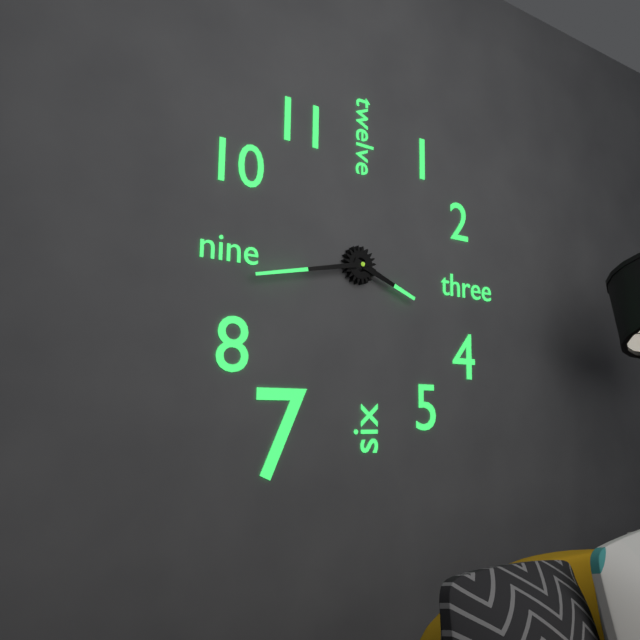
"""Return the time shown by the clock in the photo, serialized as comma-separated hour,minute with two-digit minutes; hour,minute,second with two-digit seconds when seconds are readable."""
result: 3,43
